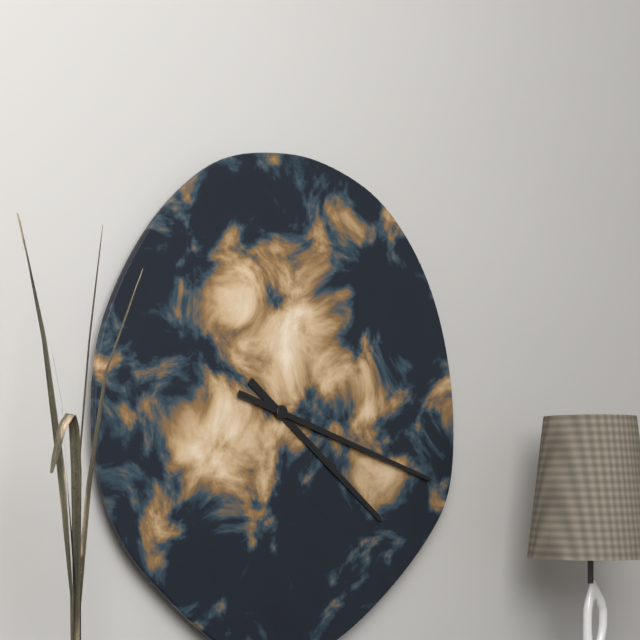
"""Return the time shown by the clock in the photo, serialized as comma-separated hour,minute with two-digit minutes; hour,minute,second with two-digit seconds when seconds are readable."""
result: 4,18
